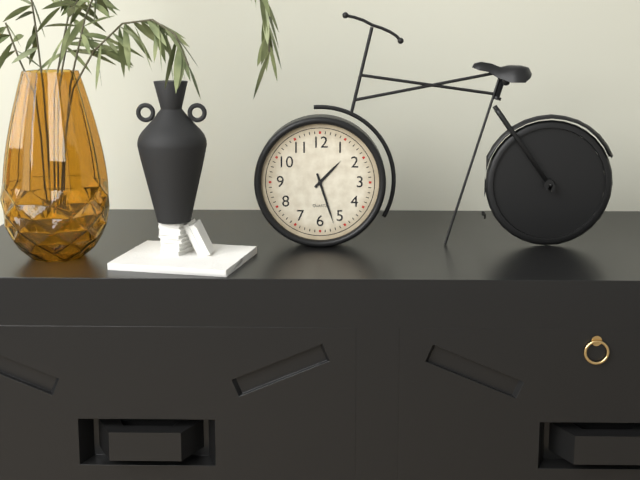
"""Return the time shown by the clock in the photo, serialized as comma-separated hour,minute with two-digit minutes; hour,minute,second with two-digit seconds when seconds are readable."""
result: 1,27
